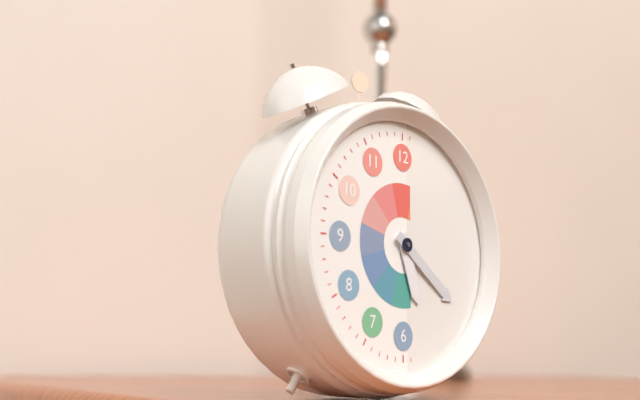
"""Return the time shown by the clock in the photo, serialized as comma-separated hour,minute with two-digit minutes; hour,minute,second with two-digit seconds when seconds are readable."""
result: 5,21
